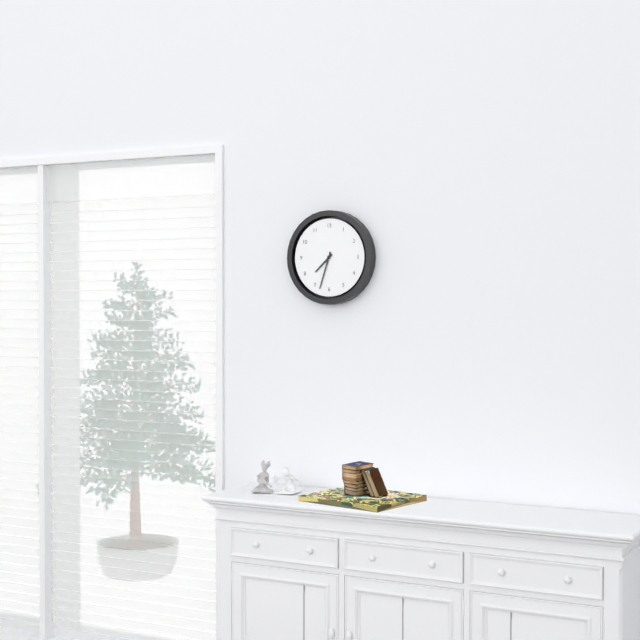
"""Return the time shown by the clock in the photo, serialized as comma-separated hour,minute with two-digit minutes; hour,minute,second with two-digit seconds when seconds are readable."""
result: 7,33
